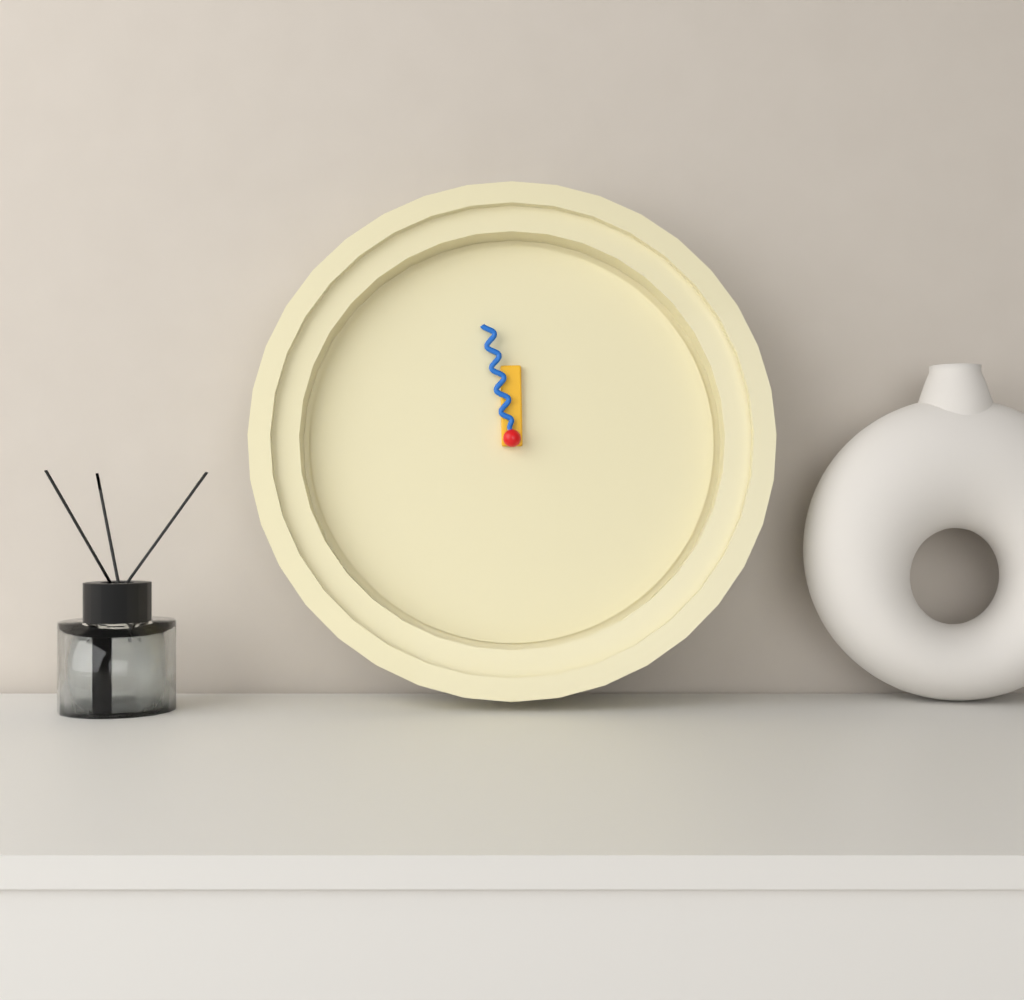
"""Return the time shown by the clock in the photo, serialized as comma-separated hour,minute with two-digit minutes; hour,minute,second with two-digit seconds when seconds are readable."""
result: 11,58
